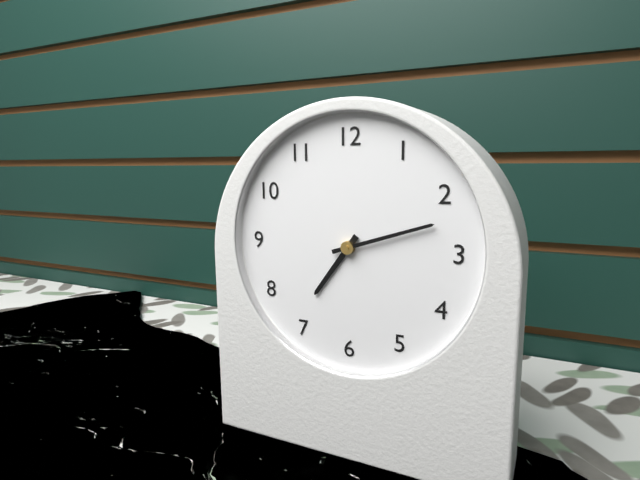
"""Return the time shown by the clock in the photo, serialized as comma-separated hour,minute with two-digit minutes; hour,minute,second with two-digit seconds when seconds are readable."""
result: 7,12
